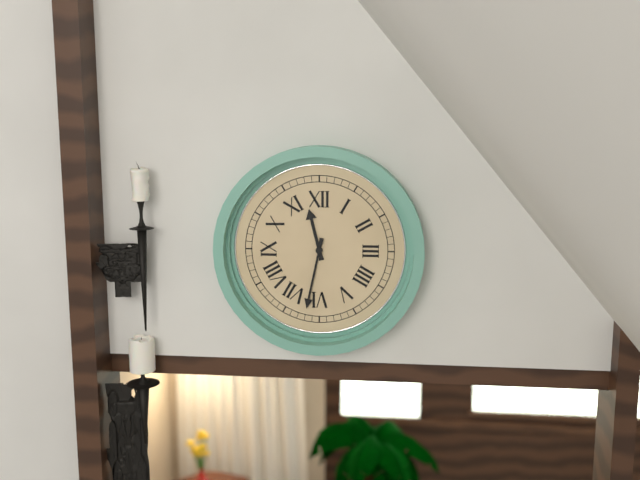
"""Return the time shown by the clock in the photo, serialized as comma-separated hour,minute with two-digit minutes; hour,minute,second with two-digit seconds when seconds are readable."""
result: 11,32
